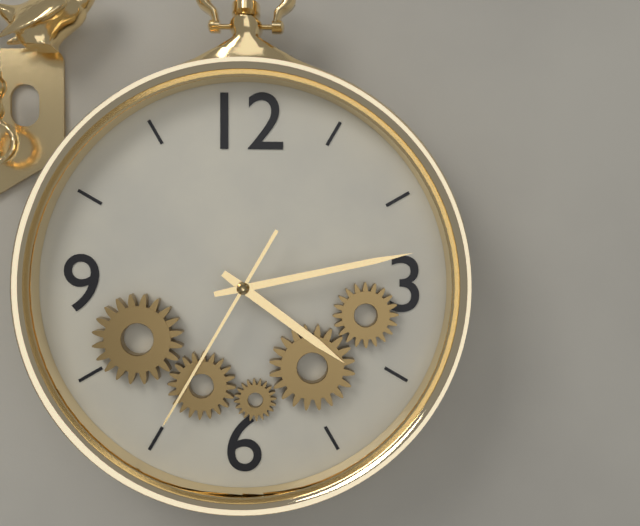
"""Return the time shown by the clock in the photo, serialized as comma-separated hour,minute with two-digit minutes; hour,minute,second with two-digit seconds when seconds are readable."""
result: 4,13,35
